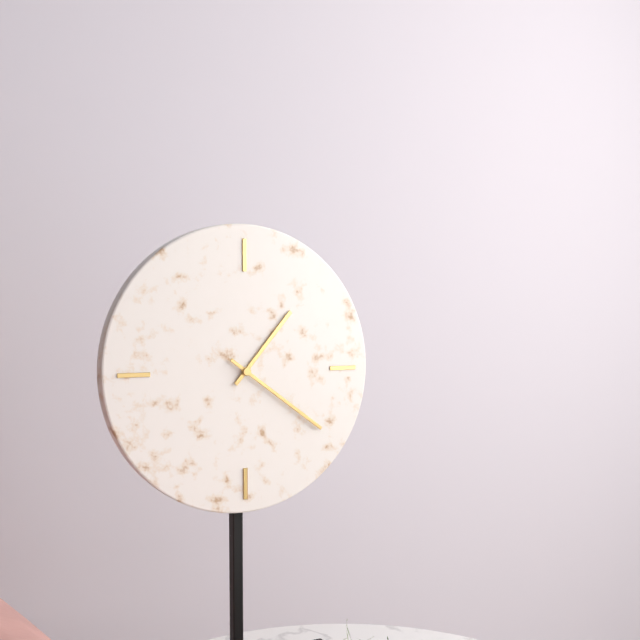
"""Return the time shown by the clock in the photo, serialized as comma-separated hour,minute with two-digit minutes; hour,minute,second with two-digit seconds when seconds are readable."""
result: 1,21
